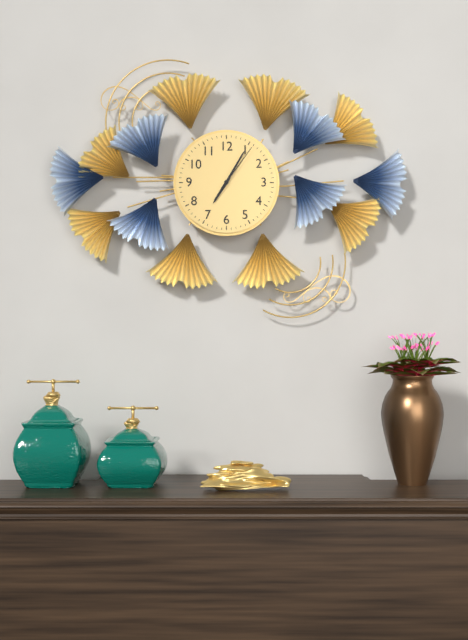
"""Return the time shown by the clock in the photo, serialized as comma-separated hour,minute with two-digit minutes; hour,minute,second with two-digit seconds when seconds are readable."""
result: 7,05,06
